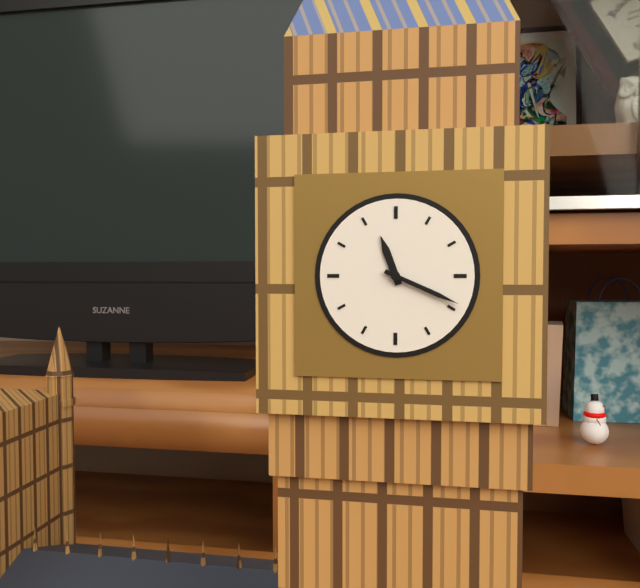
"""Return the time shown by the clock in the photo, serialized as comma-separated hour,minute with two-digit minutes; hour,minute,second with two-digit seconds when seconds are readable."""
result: 11,19
